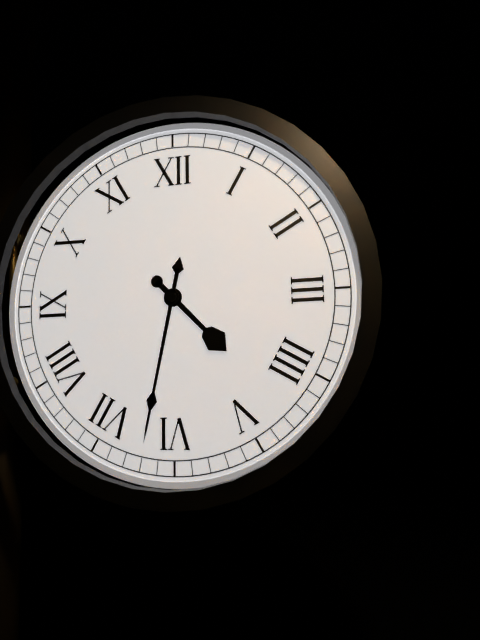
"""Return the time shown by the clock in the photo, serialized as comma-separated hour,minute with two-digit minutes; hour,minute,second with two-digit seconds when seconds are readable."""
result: 4,32
